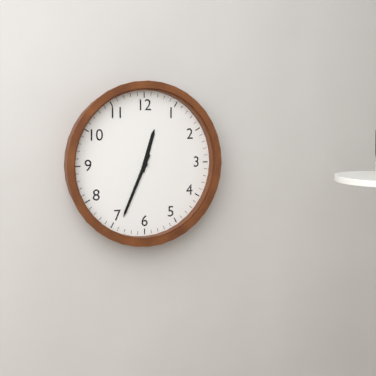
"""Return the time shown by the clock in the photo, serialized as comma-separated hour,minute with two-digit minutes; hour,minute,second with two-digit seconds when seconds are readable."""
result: 12,34
